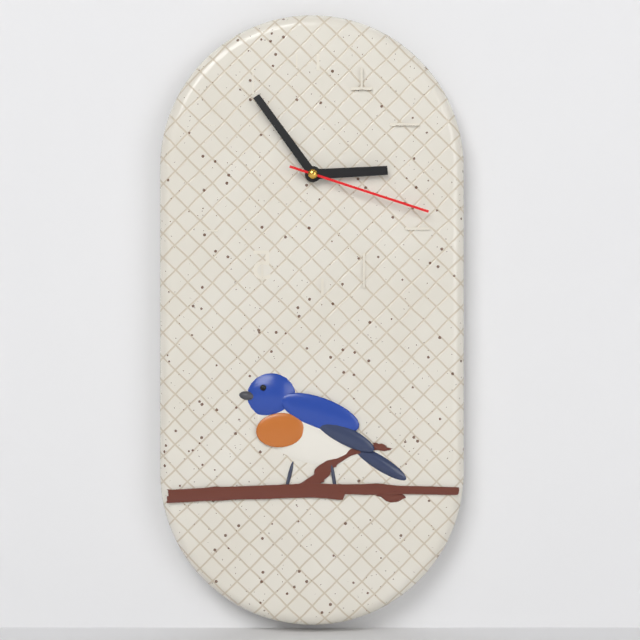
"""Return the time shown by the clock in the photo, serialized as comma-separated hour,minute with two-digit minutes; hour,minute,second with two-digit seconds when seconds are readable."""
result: 2,54,18
